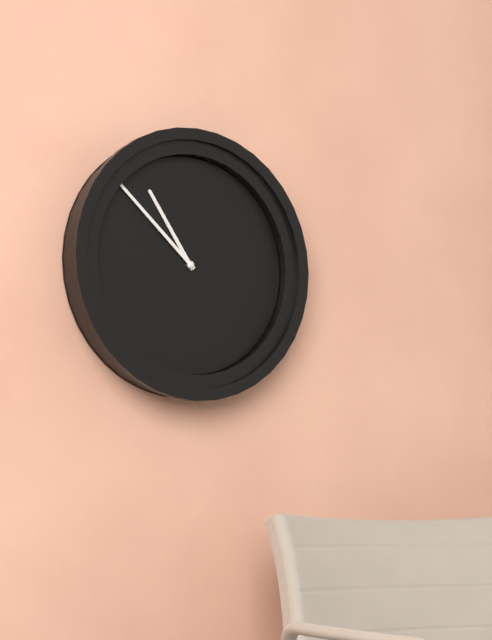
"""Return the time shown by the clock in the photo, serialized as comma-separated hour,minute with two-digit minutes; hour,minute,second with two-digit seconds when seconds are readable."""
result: 10,52
